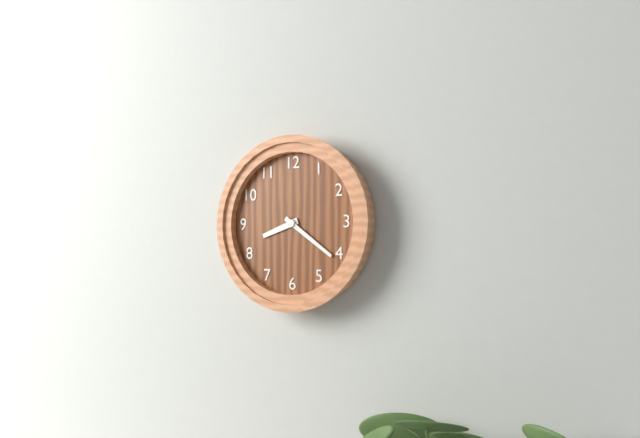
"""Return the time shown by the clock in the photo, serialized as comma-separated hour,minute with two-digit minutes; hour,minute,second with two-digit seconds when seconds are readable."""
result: 8,21
